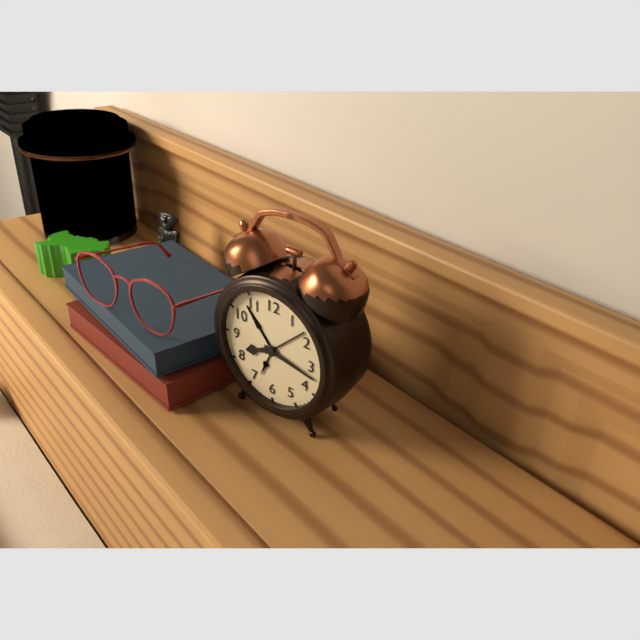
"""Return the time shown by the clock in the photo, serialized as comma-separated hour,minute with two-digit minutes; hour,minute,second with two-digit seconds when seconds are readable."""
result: 8,17
